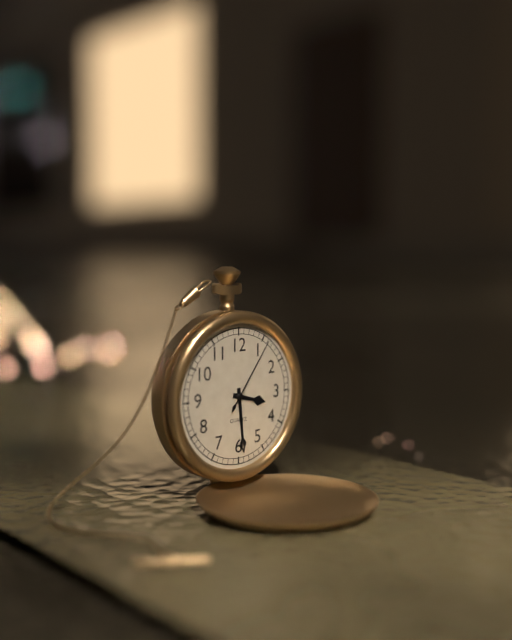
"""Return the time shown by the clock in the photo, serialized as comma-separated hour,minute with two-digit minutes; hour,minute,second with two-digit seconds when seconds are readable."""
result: 3,29,06
